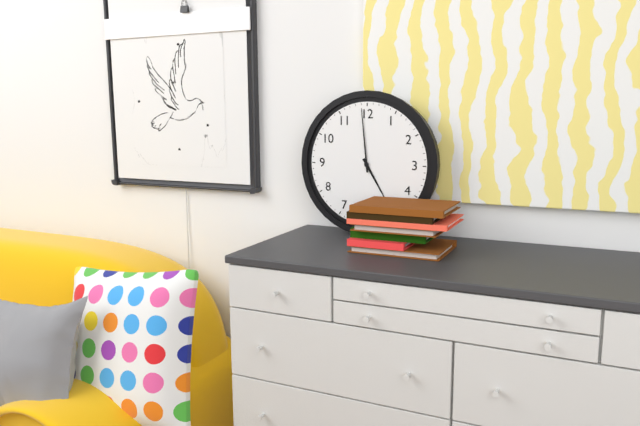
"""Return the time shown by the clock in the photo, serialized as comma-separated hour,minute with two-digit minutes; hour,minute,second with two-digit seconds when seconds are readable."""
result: 4,59
